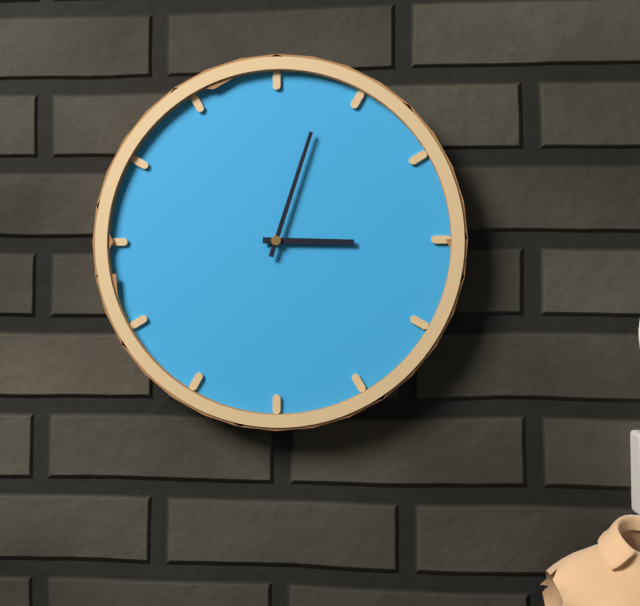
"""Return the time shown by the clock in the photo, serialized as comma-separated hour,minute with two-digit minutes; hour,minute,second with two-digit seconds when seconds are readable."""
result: 3,03
